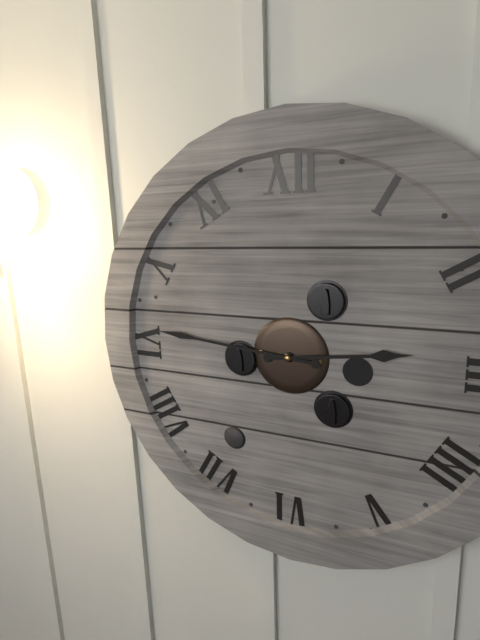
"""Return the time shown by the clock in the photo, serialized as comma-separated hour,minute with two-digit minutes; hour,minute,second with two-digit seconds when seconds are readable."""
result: 2,46
